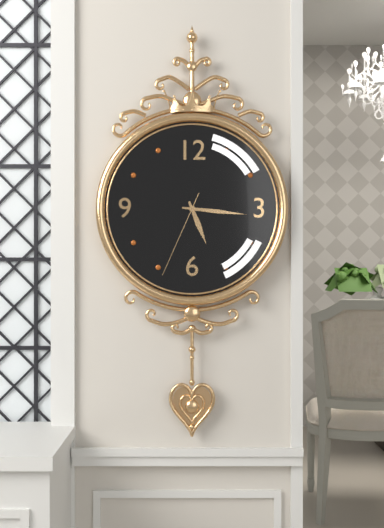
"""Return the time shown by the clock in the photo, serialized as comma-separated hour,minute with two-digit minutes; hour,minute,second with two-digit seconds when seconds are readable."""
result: 5,16,34
